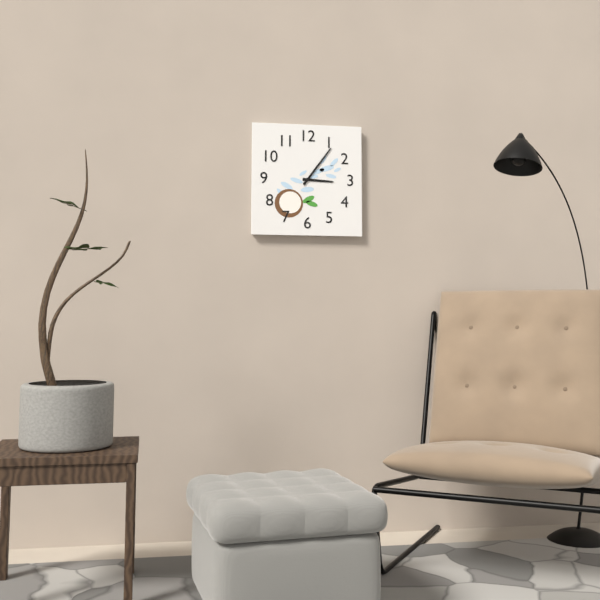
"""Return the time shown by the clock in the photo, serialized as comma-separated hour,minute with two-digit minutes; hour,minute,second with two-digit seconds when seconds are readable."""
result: 3,06
